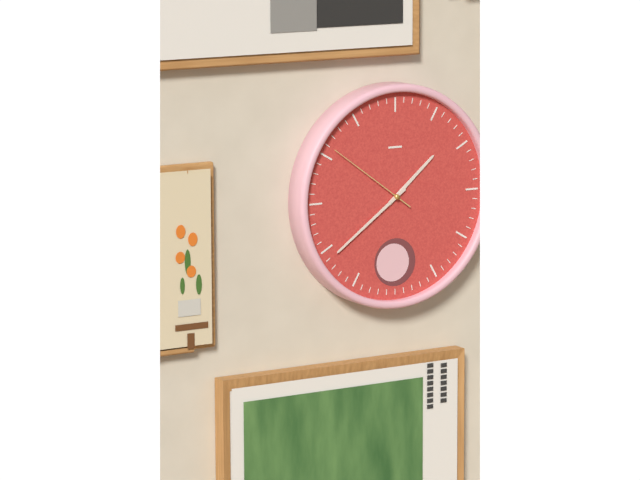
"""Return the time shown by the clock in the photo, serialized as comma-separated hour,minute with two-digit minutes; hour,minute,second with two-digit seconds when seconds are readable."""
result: 1,39,51
